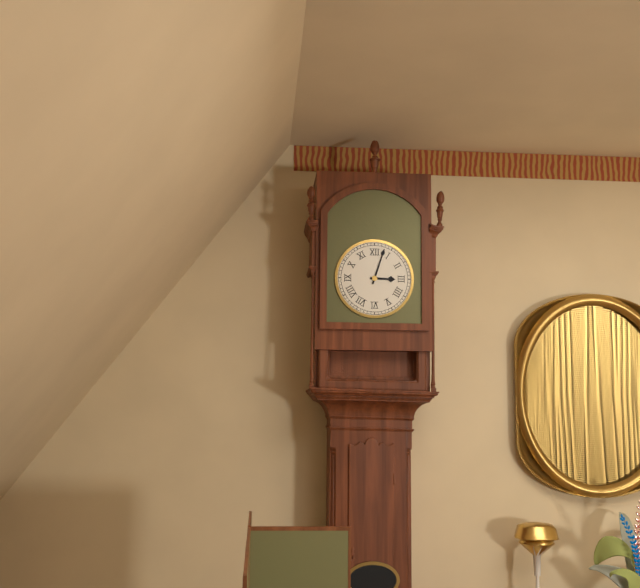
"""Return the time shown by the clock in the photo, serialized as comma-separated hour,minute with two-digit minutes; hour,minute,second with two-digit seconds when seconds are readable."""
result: 3,03
